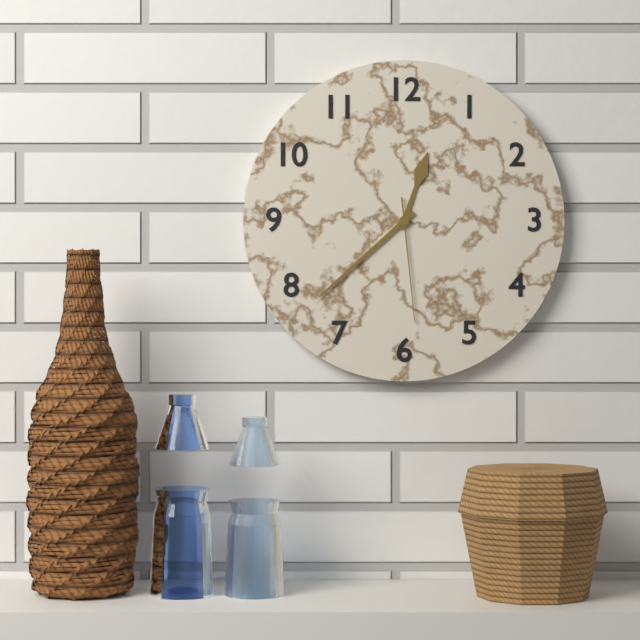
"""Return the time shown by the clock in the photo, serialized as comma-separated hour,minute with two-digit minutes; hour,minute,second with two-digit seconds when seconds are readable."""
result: 12,38,29
